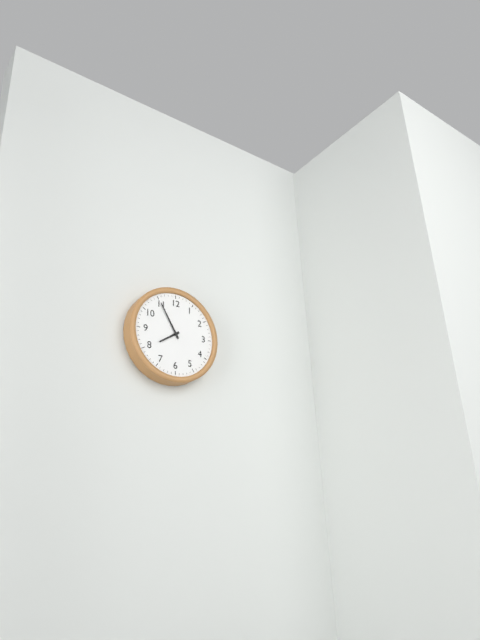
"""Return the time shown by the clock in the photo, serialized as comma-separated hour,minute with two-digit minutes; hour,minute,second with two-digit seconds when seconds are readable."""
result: 7,55
